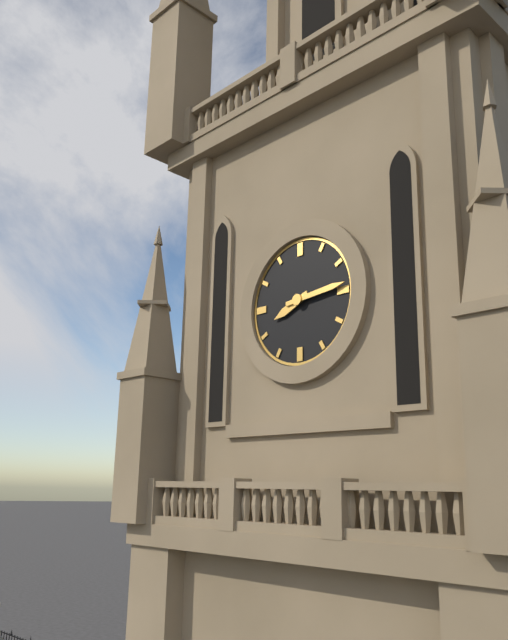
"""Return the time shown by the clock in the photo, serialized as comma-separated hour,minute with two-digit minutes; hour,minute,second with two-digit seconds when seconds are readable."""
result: 8,14
